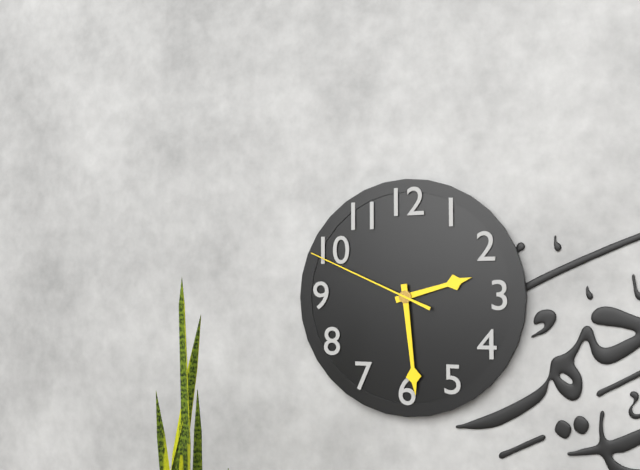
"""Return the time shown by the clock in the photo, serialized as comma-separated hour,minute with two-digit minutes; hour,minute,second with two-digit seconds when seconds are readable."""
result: 2,29,49
